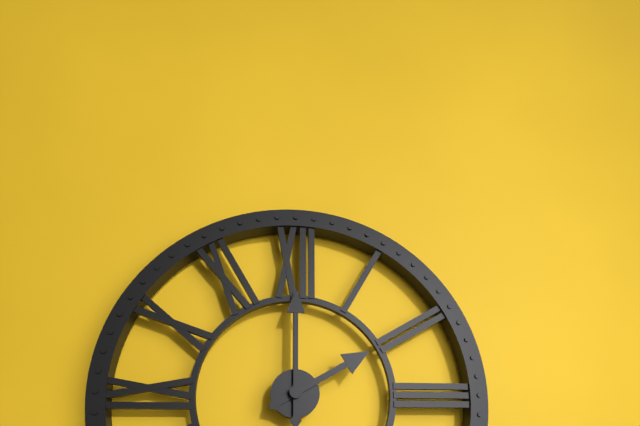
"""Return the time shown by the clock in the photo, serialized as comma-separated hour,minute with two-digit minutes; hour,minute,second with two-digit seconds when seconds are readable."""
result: 2,00
